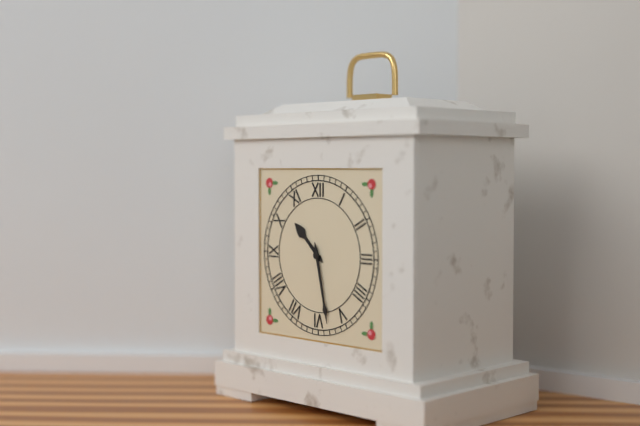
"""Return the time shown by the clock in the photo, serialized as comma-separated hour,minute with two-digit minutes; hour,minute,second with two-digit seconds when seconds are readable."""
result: 10,28
